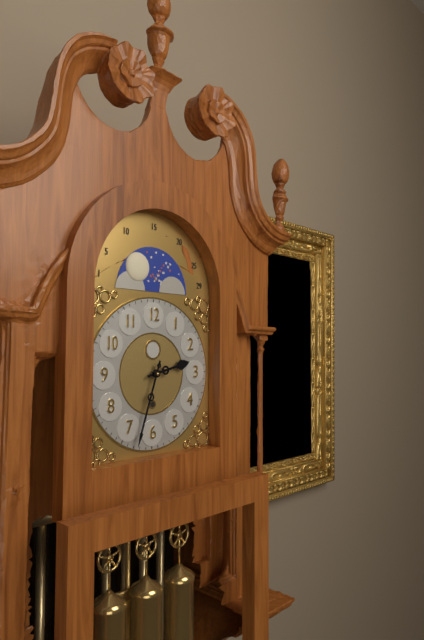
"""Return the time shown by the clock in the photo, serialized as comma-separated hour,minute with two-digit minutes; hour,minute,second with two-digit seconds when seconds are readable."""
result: 2,33
